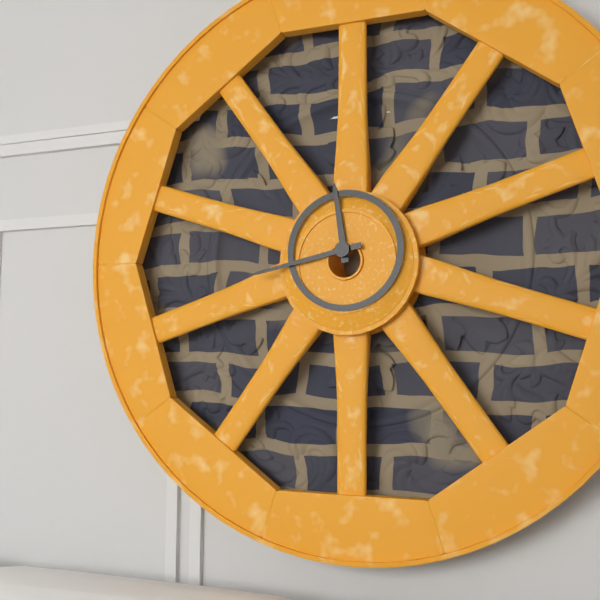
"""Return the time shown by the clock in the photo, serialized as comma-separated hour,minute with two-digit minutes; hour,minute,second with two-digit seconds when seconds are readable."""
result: 11,43
